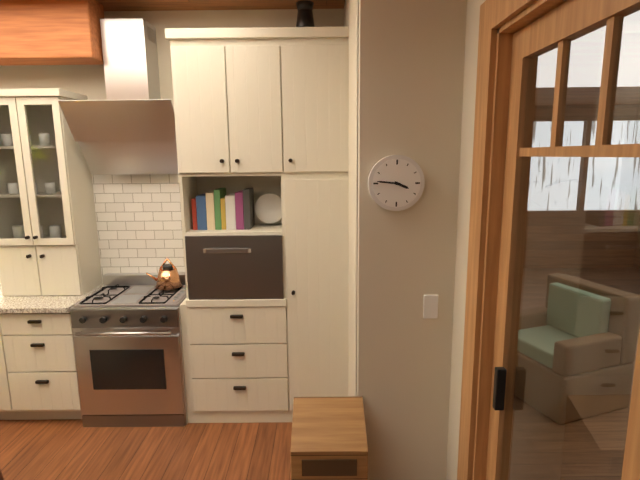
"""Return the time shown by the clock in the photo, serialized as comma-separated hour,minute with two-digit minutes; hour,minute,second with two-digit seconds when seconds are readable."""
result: 3,46
